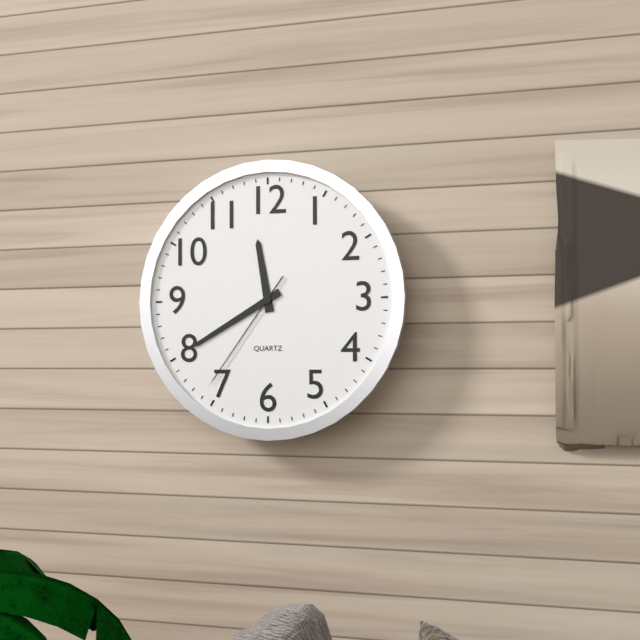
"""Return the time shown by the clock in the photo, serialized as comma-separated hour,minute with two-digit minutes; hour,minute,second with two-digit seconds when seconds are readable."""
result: 11,40,36
